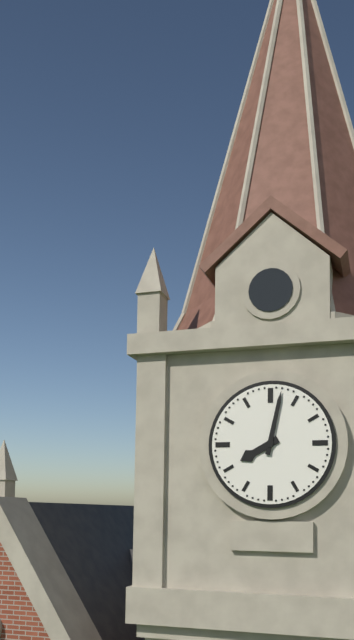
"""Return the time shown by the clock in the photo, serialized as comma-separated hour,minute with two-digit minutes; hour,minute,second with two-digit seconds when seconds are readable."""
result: 8,02
